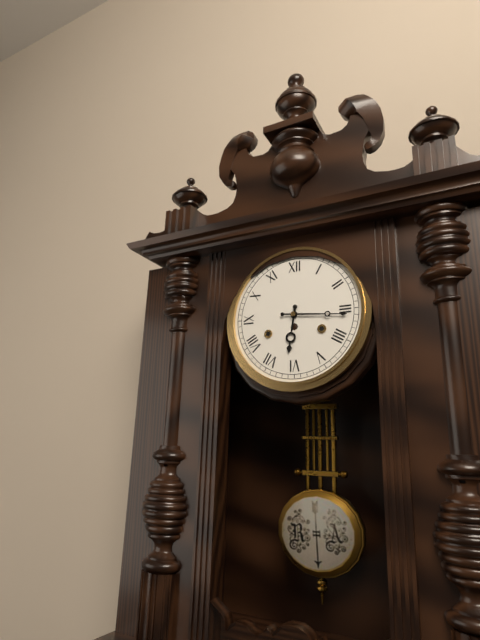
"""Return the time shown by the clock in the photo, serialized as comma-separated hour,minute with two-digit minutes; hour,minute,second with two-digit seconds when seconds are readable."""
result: 6,16
